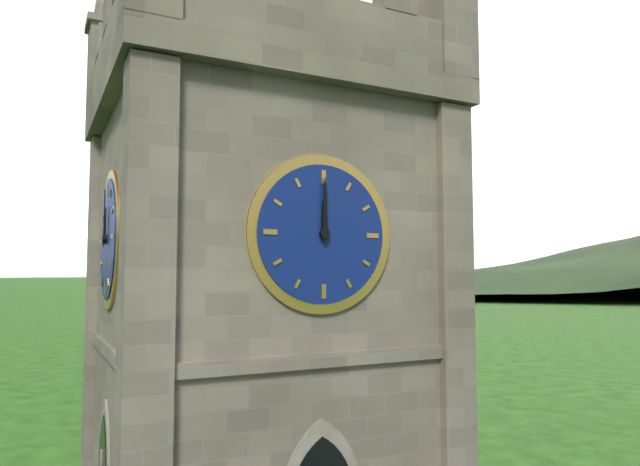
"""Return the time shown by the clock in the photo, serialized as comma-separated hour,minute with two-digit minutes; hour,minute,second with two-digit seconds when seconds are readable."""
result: 12,00
